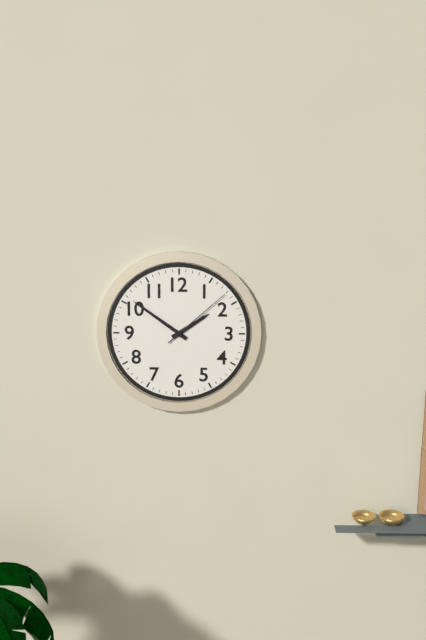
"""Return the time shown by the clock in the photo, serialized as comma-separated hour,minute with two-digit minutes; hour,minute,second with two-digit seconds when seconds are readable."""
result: 1,51,08
